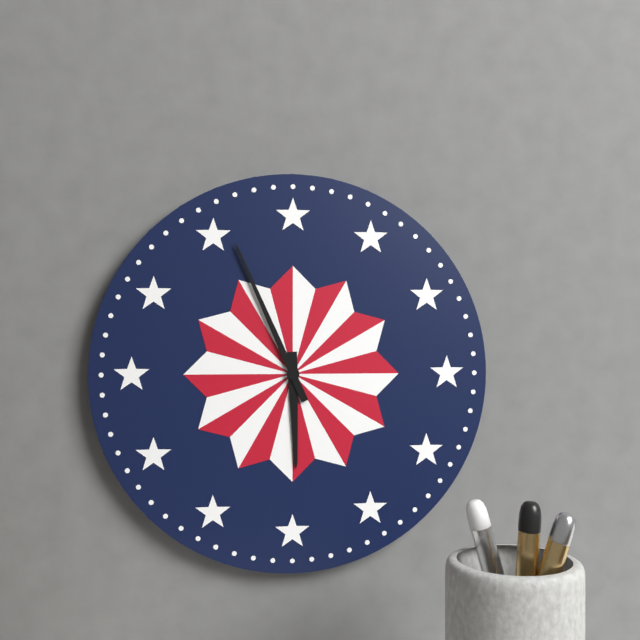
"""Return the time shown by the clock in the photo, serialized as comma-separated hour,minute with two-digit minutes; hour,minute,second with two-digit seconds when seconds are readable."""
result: 5,56
